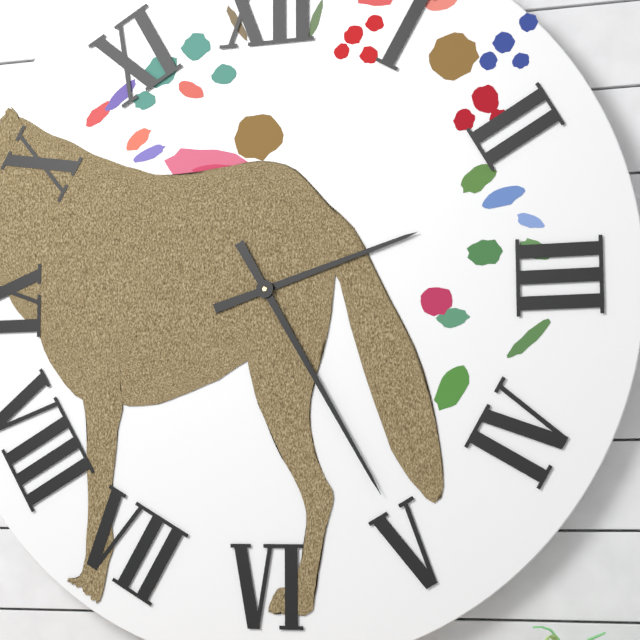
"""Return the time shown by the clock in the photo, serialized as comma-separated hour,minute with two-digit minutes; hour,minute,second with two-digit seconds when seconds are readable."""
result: 2,25
